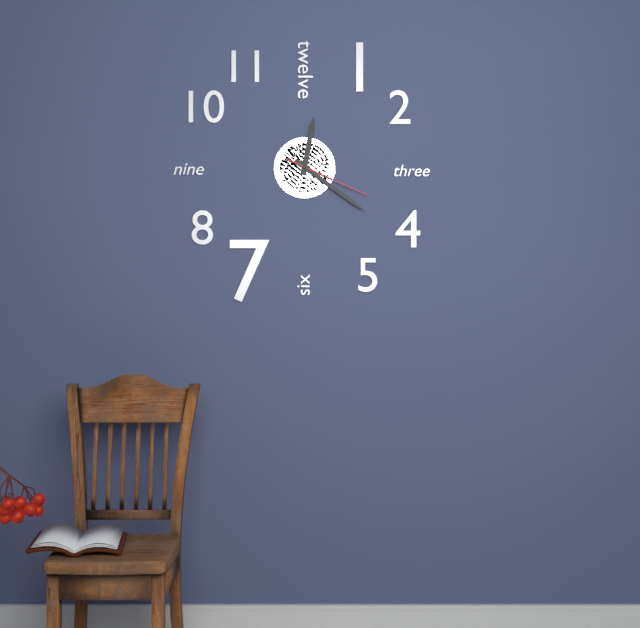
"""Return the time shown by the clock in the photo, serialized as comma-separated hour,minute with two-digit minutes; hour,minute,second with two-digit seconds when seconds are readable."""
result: 12,21,19
